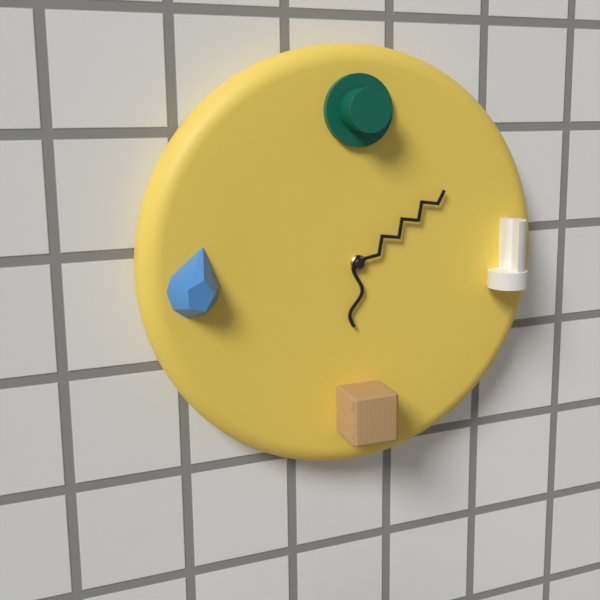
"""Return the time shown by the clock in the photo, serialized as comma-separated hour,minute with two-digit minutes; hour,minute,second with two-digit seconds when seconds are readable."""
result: 6,09
